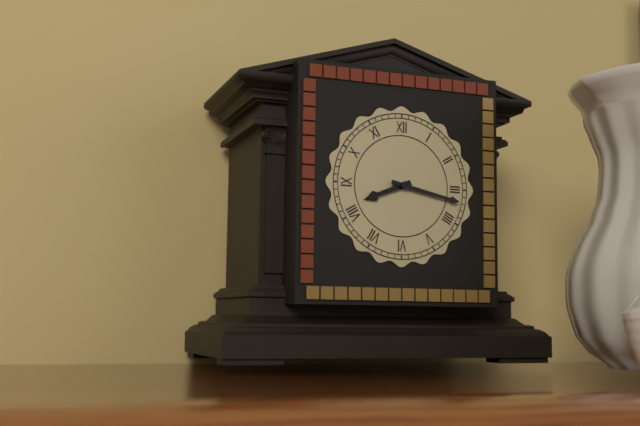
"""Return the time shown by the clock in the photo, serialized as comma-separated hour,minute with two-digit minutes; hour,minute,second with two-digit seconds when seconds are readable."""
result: 8,17
